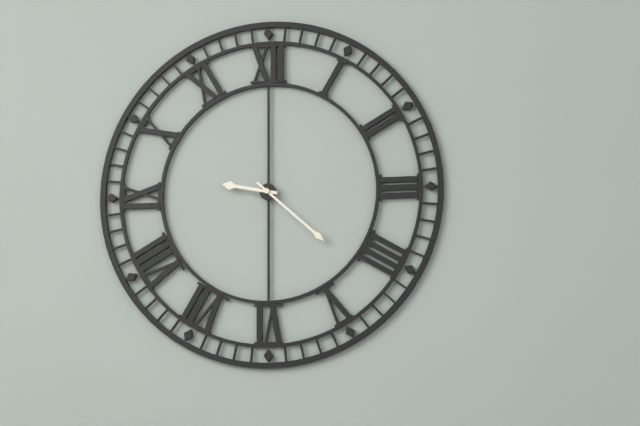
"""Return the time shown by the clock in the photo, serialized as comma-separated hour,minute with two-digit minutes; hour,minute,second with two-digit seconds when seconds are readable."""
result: 9,22
